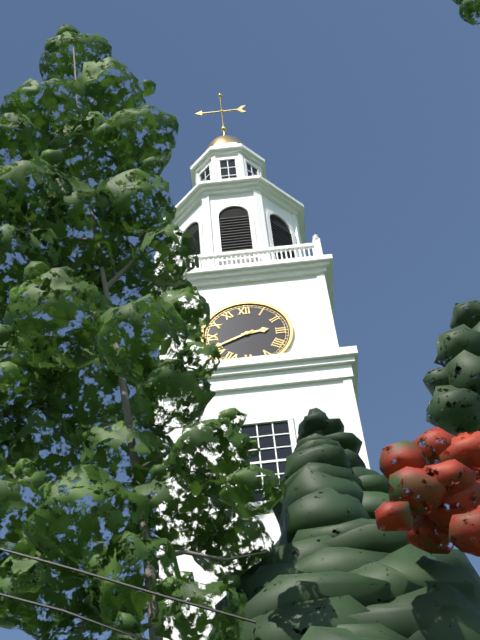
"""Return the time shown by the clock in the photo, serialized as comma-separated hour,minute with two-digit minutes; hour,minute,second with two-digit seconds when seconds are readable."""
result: 2,41
